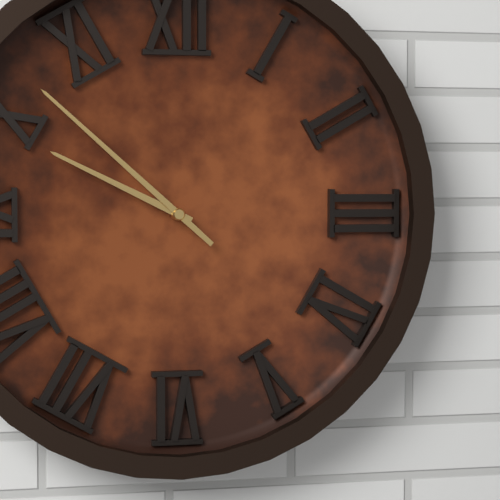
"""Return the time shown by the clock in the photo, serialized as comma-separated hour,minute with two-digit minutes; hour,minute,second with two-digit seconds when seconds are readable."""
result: 9,52
